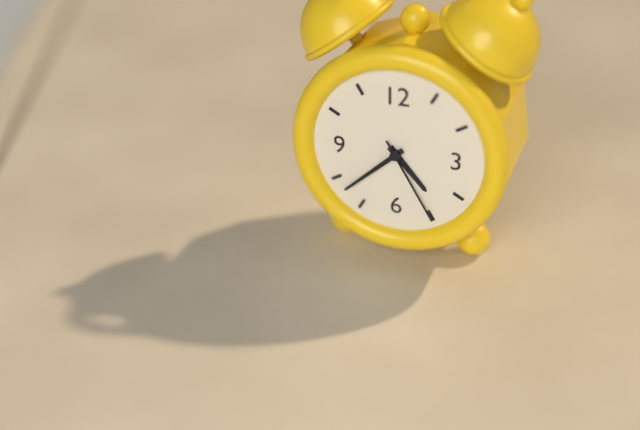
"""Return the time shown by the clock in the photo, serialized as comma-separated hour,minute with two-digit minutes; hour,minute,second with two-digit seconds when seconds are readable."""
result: 4,38,25
